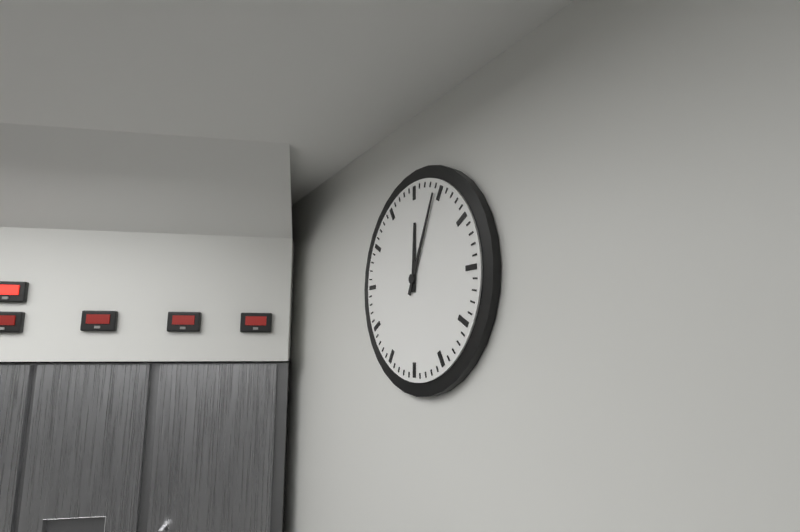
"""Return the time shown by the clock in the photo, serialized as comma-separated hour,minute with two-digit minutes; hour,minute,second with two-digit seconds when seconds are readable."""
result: 12,04
